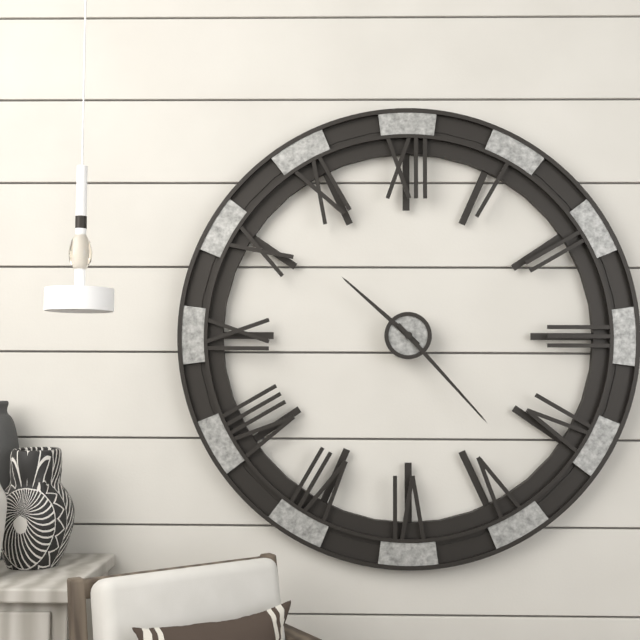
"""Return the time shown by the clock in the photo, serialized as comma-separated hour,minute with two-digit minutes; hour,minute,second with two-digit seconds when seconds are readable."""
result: 10,23
